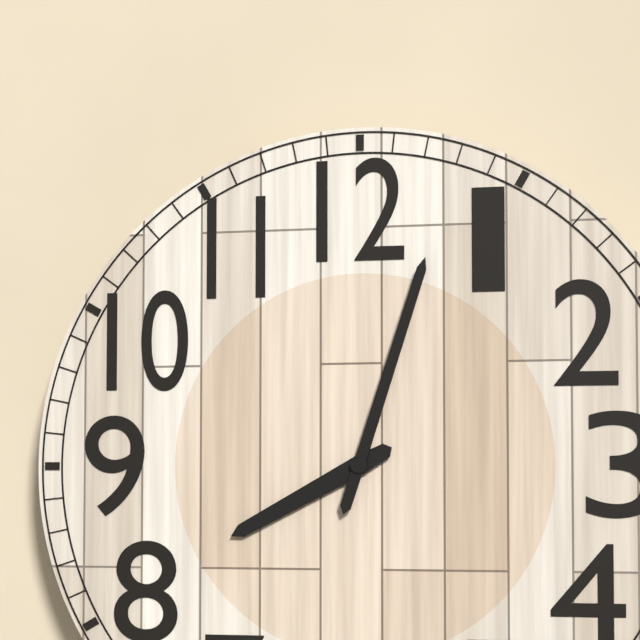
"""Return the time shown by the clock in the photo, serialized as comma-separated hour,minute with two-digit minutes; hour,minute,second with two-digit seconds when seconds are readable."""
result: 8,03
